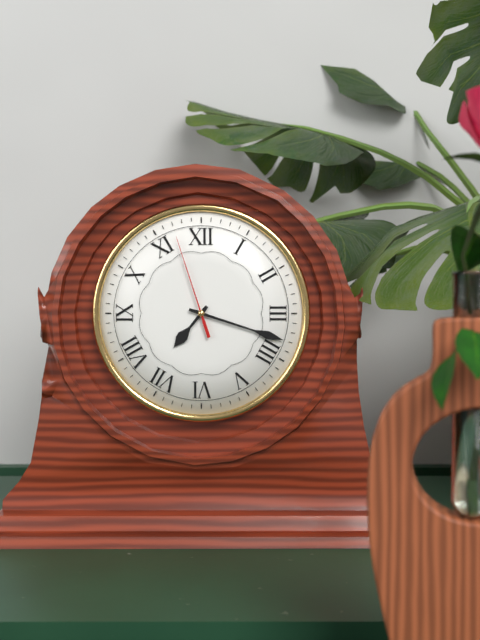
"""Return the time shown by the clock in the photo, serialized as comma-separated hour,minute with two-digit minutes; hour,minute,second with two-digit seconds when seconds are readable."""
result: 7,18,57
